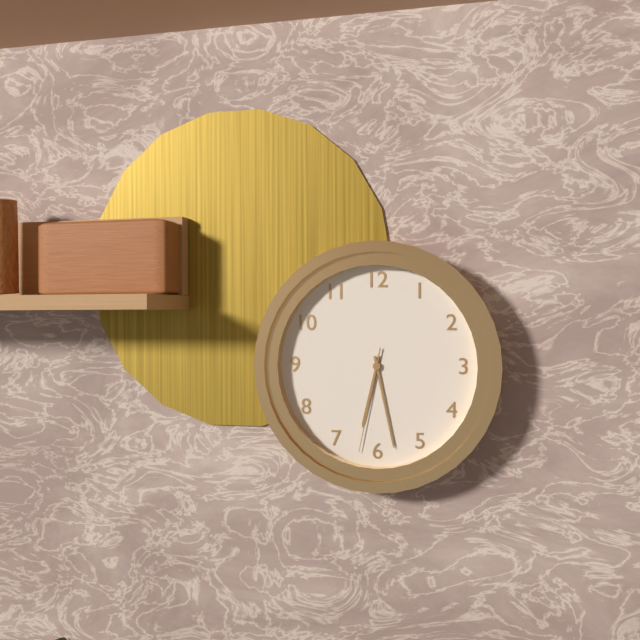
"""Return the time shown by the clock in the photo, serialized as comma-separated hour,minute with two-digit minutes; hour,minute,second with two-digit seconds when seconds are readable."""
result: 6,28,32
